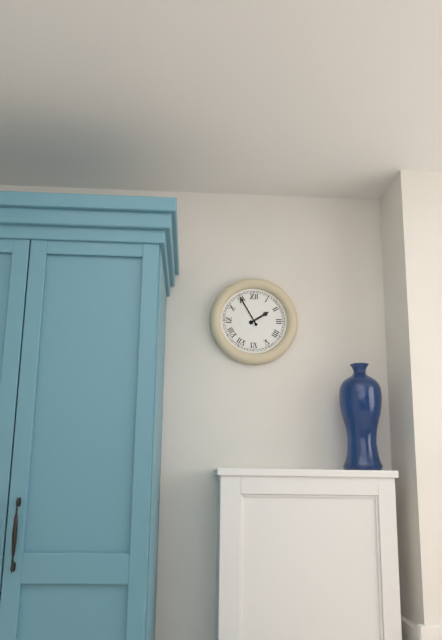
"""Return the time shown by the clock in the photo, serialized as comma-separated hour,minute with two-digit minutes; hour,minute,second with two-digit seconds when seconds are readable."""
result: 1,55
